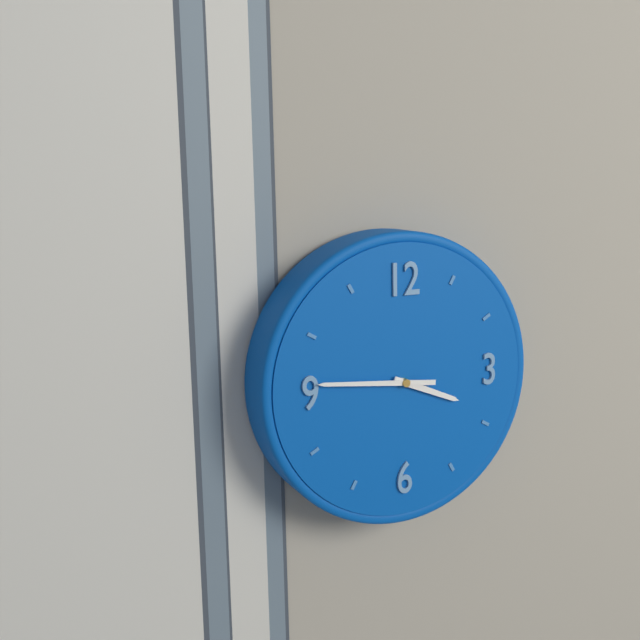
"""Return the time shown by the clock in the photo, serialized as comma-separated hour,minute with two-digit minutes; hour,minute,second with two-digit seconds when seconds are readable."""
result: 3,46
